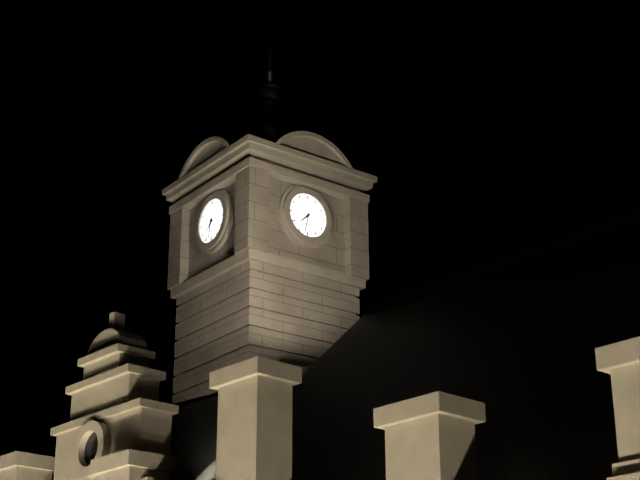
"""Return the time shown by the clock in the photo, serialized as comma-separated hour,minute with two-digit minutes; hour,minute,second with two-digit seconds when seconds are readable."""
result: 7,32
